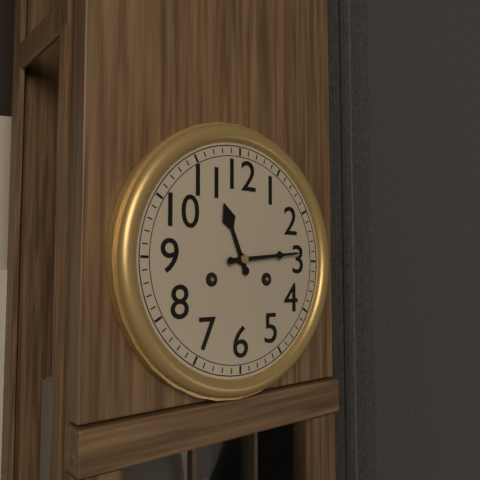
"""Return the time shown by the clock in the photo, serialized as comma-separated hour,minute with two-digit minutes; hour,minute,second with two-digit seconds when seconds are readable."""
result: 11,14
